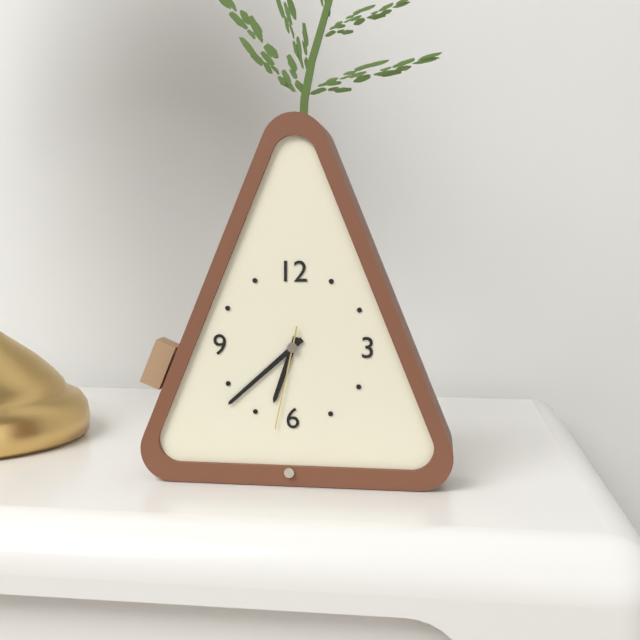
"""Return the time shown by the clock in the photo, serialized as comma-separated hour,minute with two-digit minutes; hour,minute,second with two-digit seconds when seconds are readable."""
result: 6,38,32
